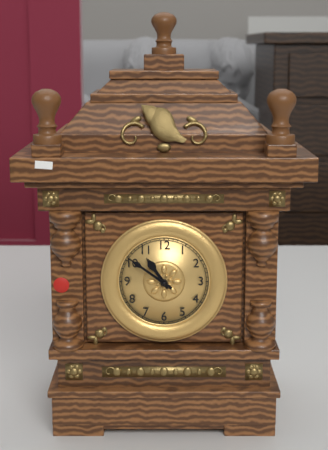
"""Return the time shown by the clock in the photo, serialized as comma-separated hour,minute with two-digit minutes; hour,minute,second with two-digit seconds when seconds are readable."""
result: 10,51
